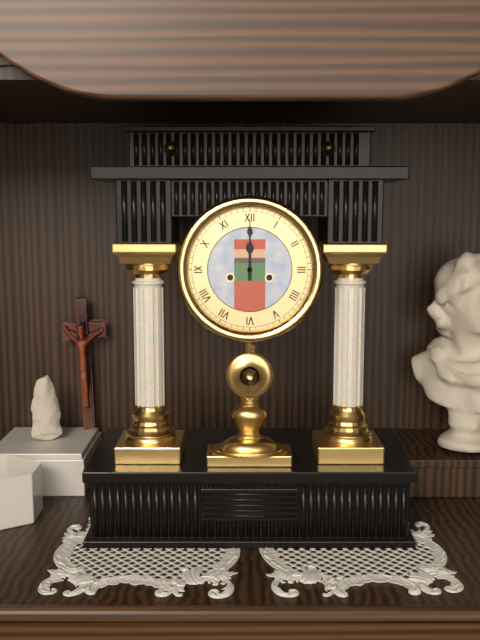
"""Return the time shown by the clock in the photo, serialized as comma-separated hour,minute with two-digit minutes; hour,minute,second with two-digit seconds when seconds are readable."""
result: 12,00
